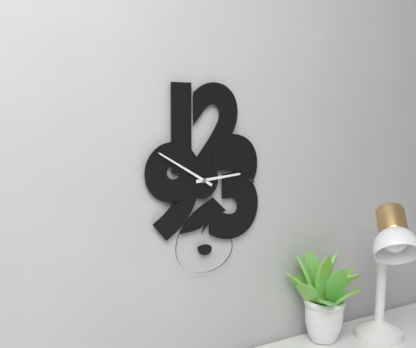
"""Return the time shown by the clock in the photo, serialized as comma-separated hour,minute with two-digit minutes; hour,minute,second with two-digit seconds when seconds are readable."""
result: 2,50
